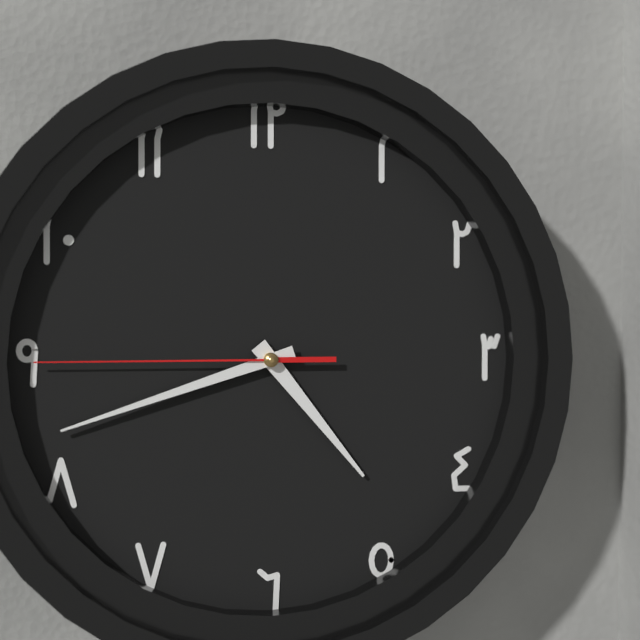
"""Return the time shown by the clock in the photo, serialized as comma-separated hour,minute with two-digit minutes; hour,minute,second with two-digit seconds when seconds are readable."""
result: 4,42,45
